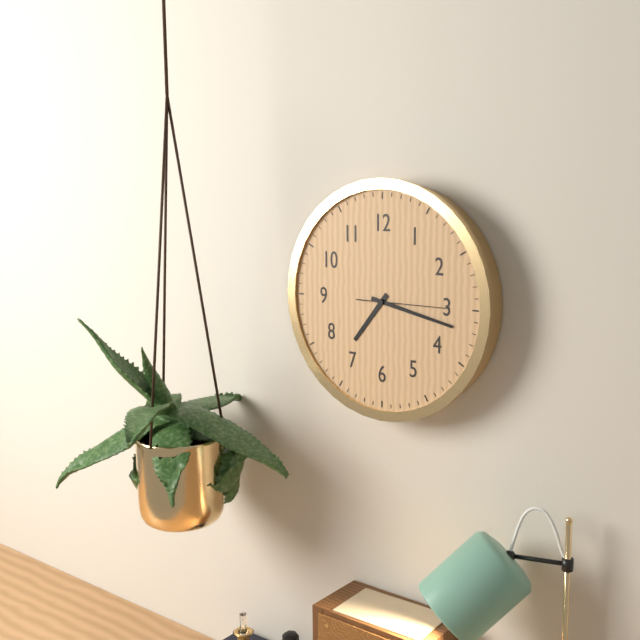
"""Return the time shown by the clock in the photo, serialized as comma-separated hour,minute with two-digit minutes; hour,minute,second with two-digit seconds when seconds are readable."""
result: 7,17,15
